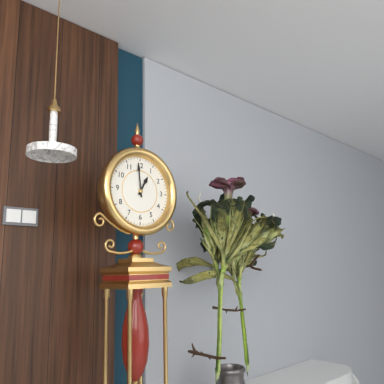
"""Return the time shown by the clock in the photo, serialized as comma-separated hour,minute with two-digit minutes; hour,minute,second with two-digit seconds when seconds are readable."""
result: 12,59
